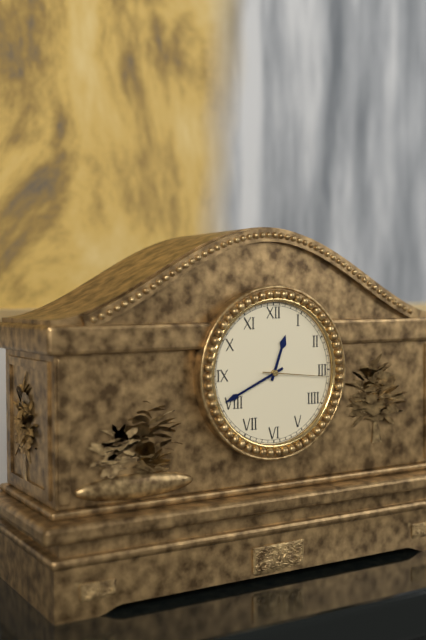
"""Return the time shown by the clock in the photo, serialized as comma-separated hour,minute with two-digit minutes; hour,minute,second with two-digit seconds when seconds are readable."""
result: 12,41,16
